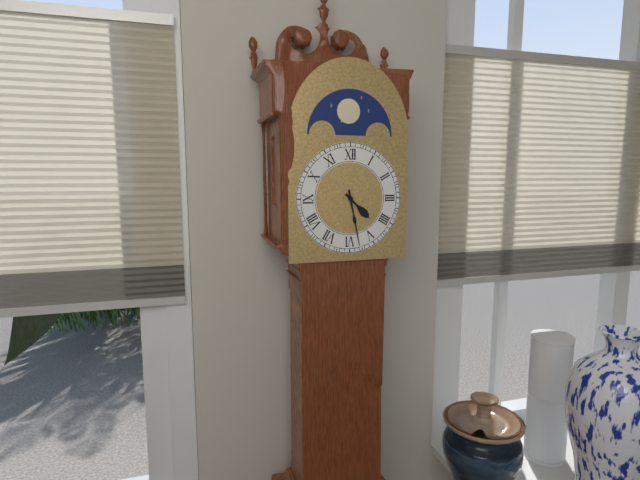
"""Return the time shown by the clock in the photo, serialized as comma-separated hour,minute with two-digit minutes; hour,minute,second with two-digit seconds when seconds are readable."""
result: 4,28
